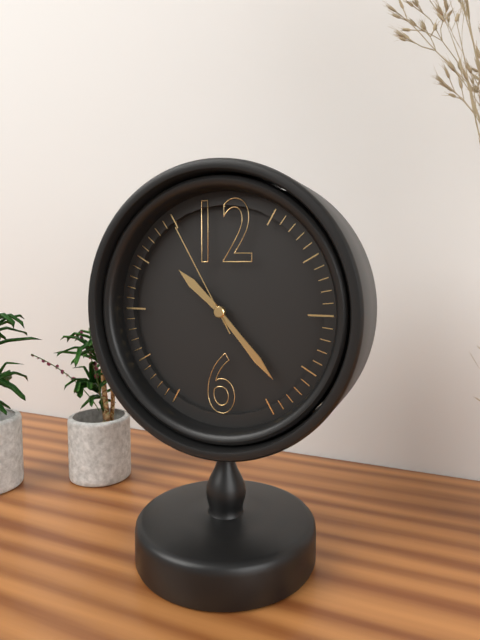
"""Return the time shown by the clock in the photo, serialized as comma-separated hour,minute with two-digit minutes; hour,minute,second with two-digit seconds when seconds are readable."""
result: 10,23,55
